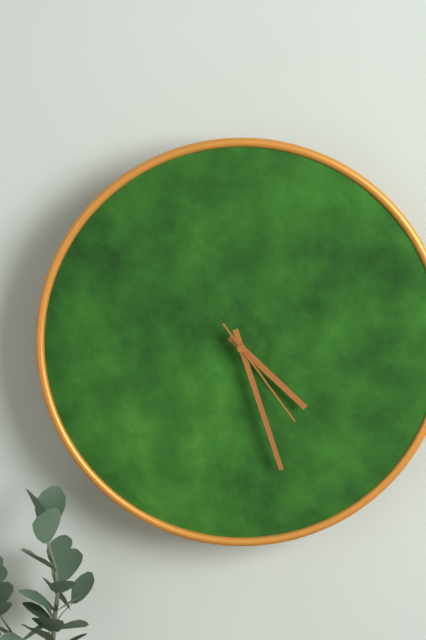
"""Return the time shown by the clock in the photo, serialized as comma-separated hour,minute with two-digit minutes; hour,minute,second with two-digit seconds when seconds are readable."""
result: 4,27,24
